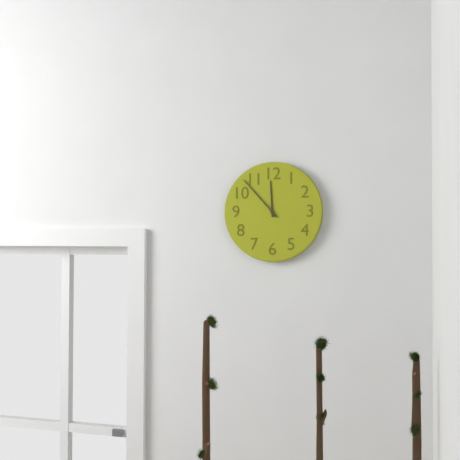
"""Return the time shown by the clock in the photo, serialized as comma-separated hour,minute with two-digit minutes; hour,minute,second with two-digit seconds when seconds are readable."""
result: 11,53
